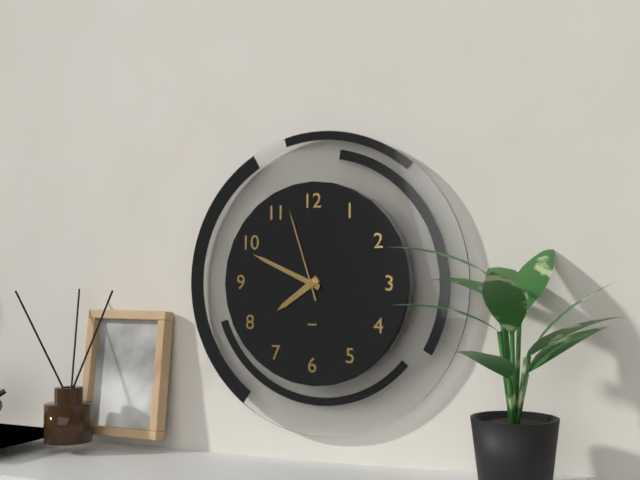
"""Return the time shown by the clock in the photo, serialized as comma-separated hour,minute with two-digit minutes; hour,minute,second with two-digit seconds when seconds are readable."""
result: 7,49,57
